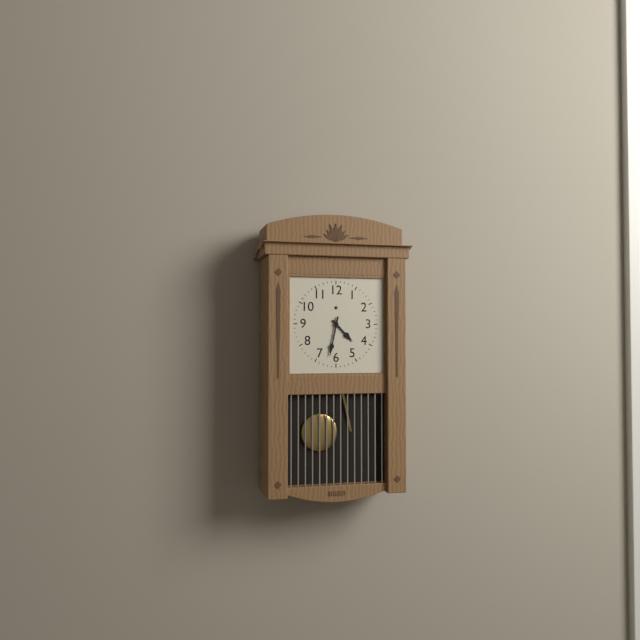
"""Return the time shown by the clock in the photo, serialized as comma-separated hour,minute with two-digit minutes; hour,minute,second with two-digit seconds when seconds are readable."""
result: 4,32
